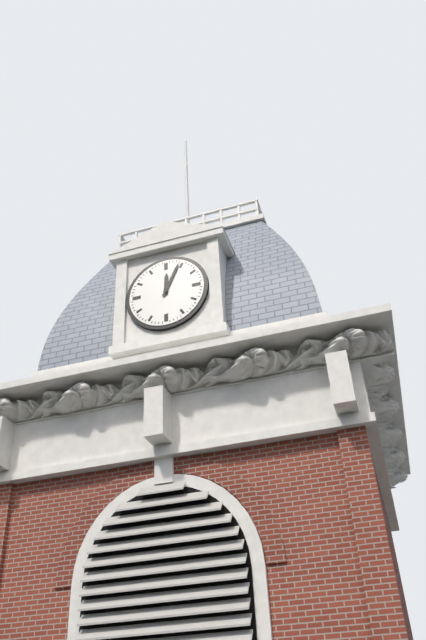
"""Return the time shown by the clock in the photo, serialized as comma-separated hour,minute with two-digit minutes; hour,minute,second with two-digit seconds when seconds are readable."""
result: 12,04
